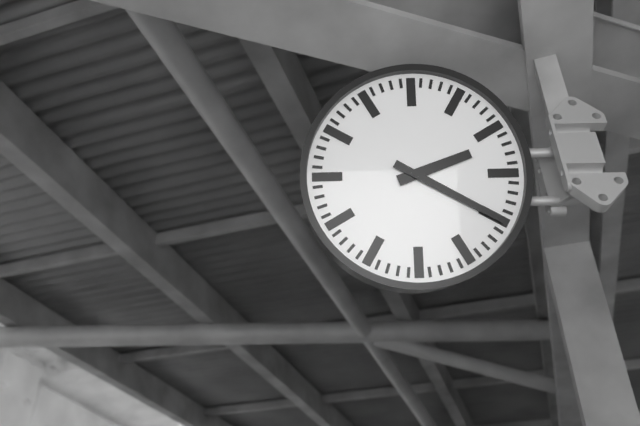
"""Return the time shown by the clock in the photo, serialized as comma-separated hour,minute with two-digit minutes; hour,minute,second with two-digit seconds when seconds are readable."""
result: 2,20
